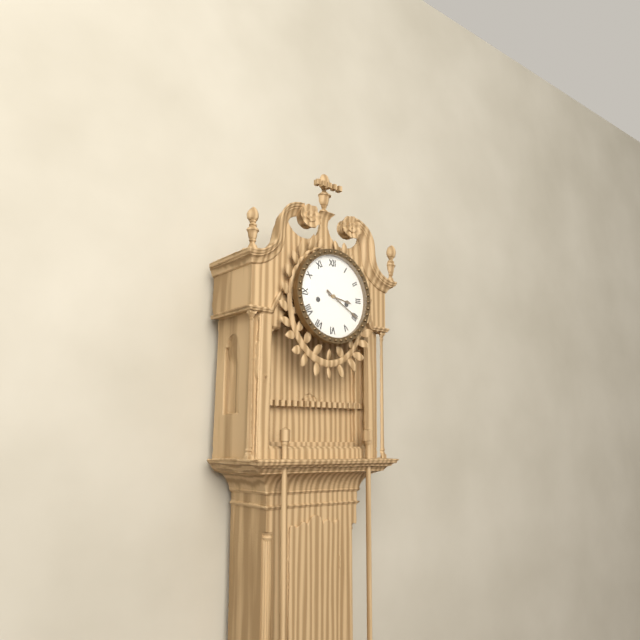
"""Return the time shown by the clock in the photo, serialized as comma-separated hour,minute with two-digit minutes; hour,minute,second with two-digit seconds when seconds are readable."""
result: 3,20
